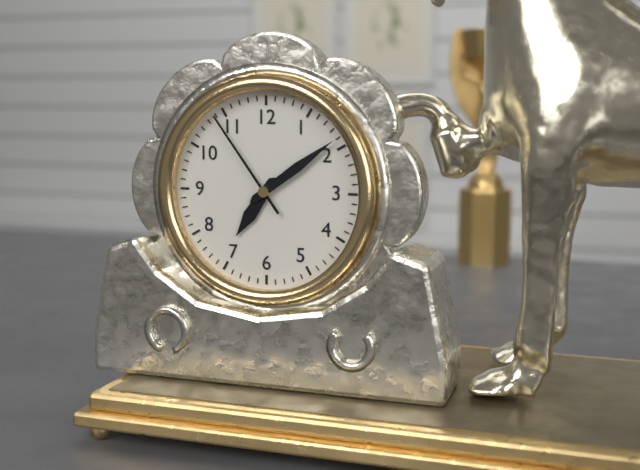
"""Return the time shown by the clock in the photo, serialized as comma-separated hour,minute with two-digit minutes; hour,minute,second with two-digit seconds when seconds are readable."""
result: 7,09,54
